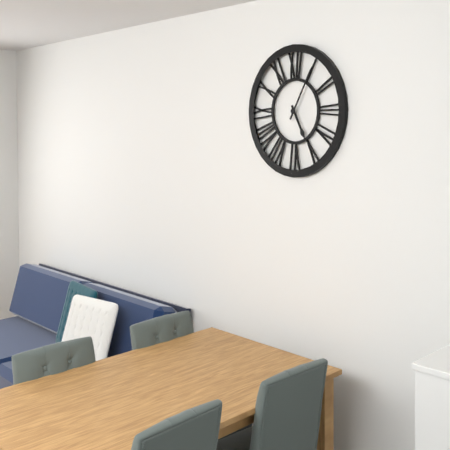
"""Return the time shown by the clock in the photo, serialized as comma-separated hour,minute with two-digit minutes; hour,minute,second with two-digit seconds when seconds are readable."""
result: 5,05
